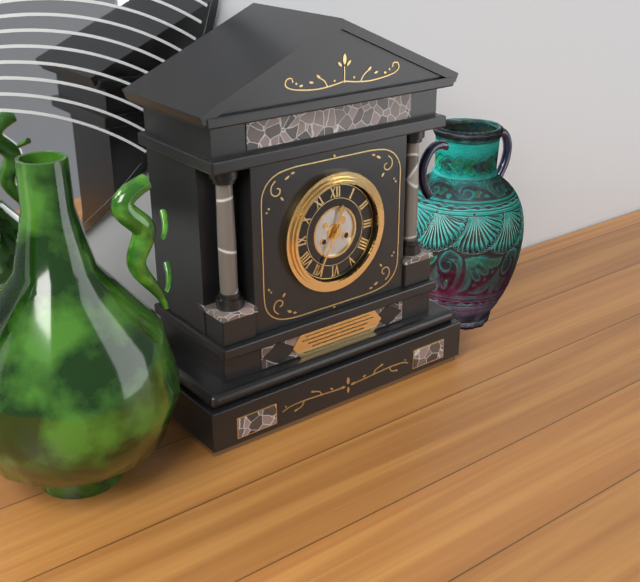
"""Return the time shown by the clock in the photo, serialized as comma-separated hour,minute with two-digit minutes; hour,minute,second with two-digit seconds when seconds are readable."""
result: 12,35
